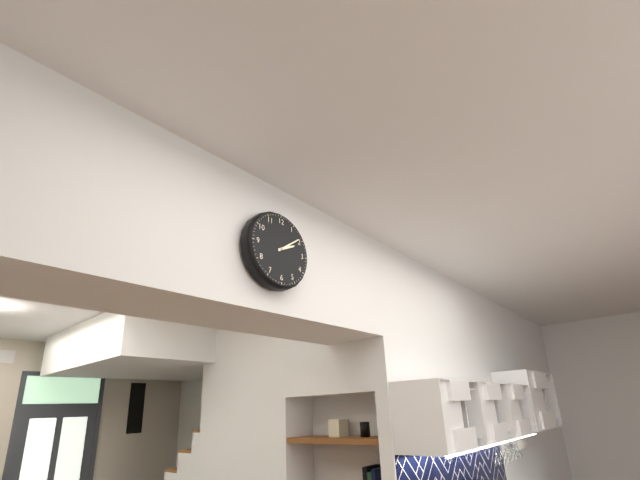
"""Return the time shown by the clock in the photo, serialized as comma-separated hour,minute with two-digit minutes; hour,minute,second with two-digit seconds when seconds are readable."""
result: 2,09
